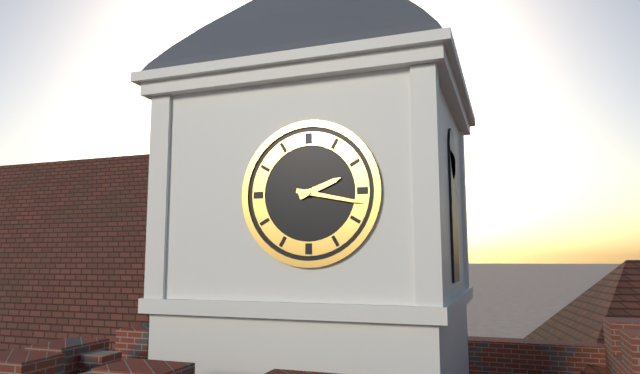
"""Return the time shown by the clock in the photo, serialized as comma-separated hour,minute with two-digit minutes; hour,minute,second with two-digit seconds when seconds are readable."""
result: 2,17
